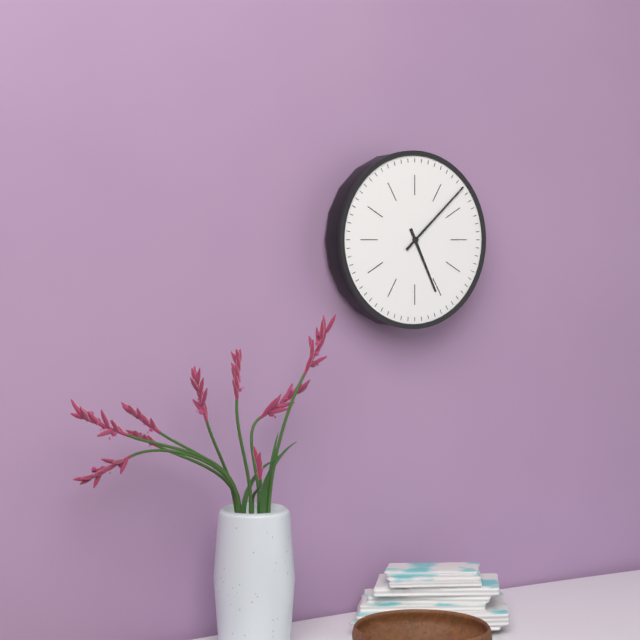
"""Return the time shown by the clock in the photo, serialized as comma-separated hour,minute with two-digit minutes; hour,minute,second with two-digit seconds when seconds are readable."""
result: 5,08
